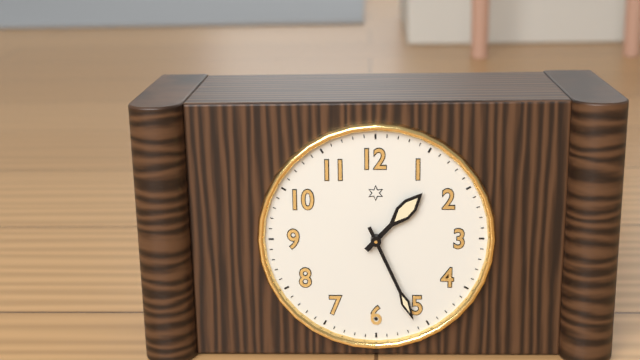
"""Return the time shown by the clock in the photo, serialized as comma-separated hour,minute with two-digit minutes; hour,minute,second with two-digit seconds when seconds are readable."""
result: 1,26
